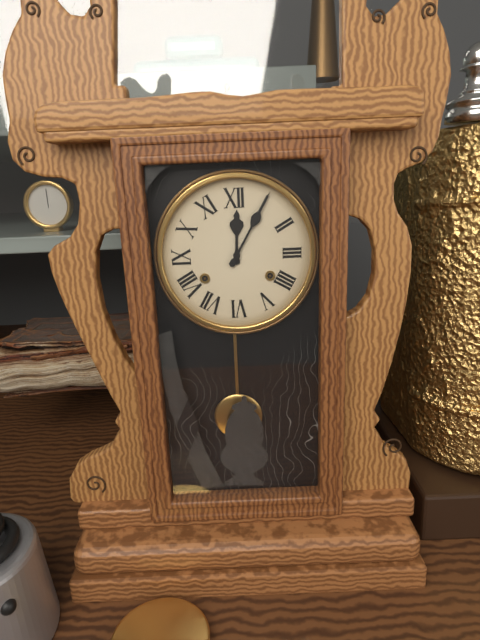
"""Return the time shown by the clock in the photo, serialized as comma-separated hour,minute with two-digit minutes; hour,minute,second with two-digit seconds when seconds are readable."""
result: 12,05
